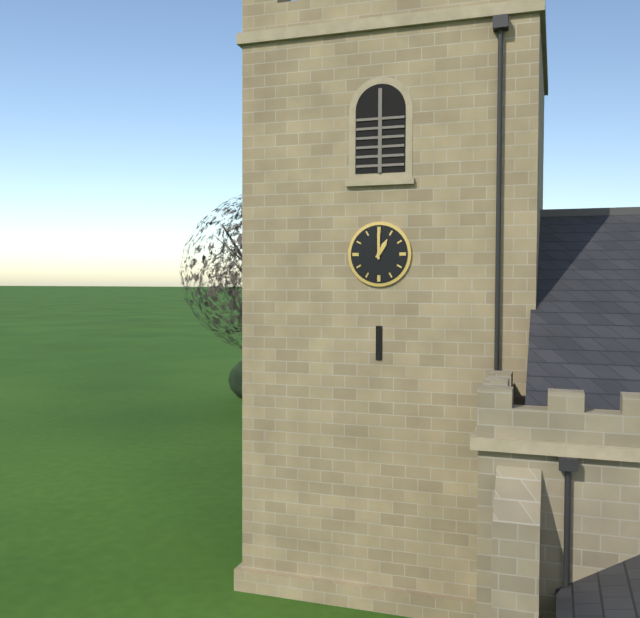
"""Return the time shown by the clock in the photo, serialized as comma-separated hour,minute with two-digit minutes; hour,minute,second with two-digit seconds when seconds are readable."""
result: 1,00
